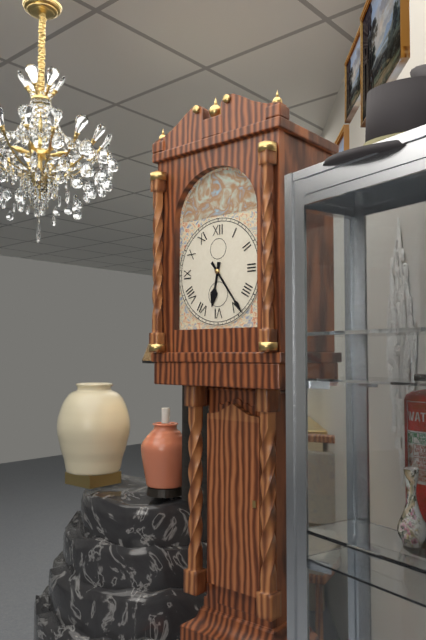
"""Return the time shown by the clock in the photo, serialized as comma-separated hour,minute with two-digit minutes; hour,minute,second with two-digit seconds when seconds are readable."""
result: 6,24
